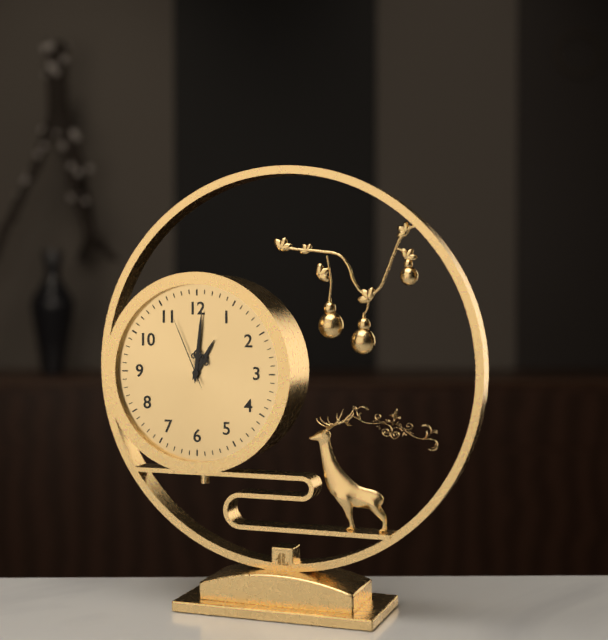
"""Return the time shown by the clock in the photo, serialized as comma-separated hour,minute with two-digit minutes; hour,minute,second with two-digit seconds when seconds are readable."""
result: 1,01,56
